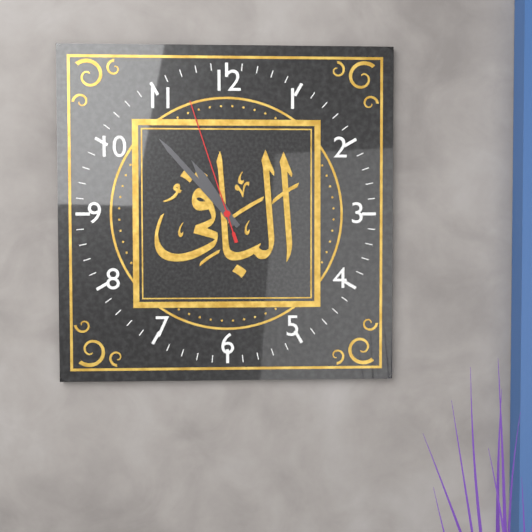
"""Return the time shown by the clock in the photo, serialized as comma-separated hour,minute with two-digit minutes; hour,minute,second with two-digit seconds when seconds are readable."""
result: 10,53,57
